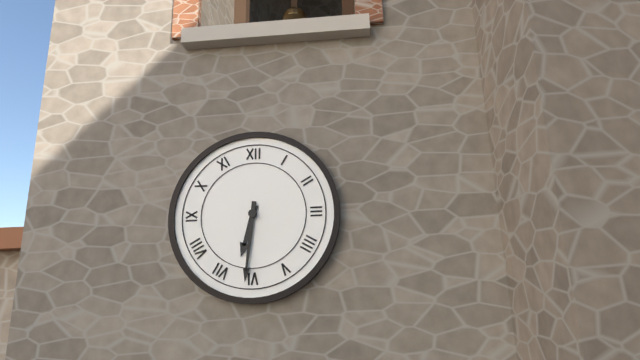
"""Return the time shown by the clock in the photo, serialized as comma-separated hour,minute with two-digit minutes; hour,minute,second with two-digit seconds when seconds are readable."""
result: 6,31
